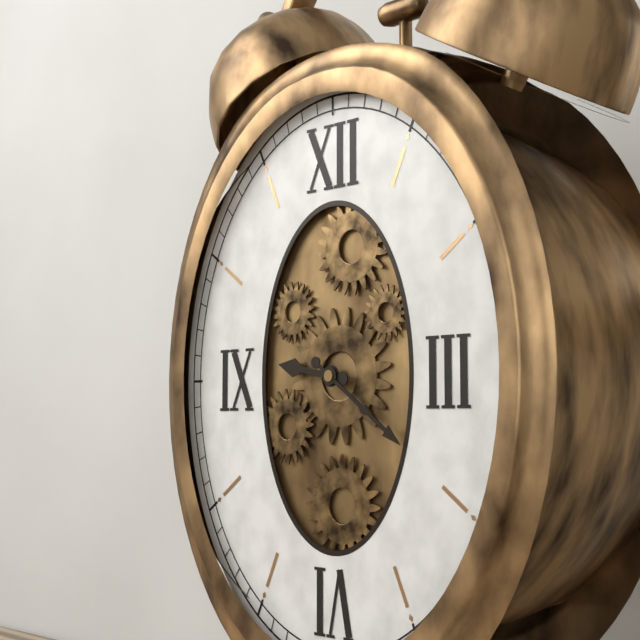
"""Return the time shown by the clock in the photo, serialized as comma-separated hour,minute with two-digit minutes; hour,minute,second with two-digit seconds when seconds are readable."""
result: 9,21
